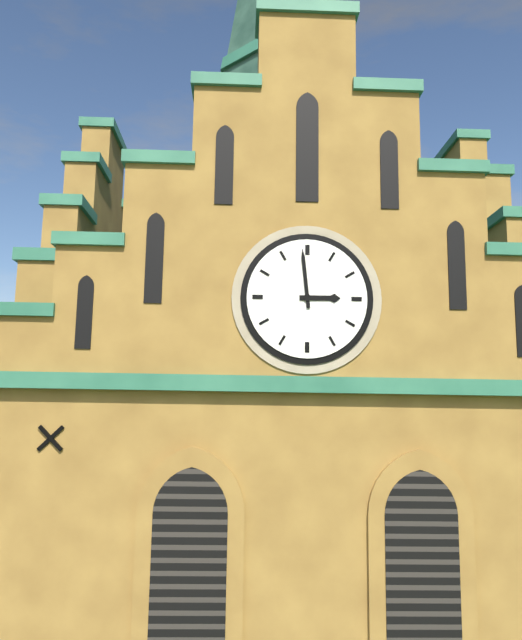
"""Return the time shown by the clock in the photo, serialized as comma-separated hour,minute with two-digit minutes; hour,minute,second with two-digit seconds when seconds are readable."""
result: 2,59
